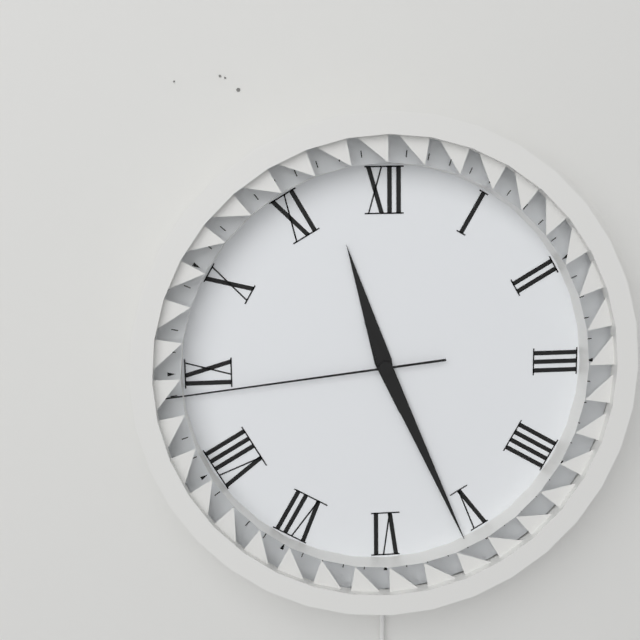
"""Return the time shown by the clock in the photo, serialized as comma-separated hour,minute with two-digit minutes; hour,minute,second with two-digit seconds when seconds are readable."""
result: 11,26,44
